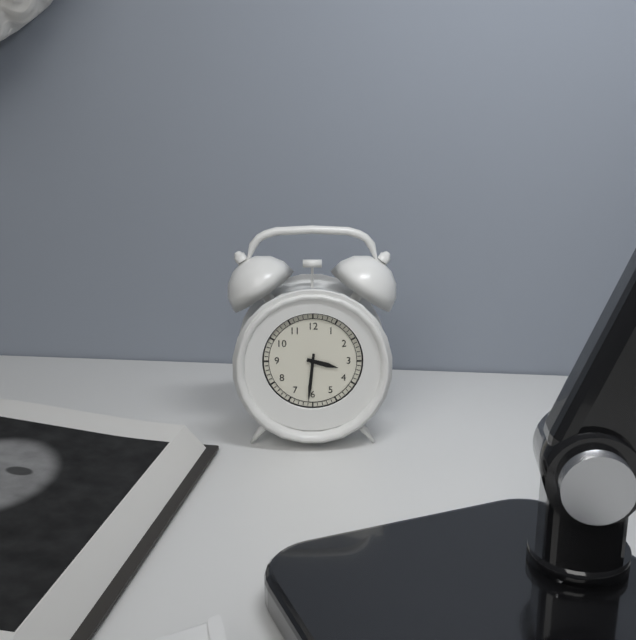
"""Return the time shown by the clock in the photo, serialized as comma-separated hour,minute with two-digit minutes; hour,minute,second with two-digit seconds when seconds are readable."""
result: 3,31
